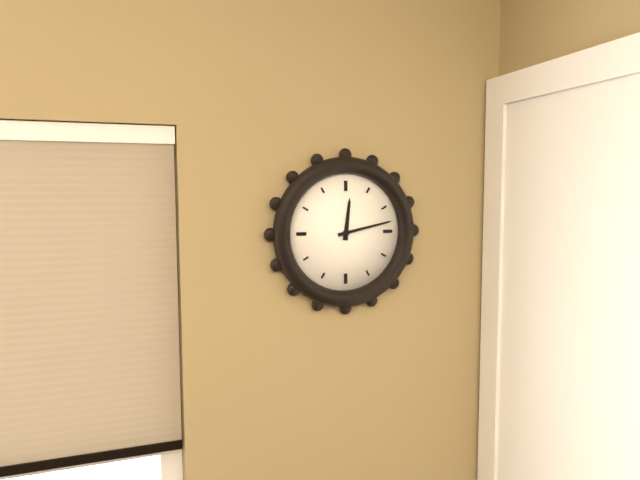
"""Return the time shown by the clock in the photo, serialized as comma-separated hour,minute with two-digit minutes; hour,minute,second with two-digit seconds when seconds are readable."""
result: 12,13
